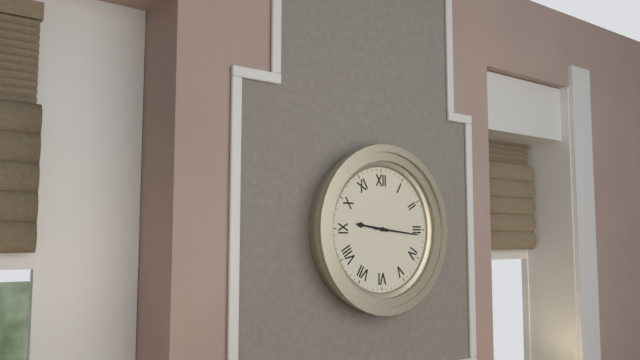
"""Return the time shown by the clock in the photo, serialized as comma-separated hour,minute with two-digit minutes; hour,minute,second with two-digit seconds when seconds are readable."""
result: 9,16
